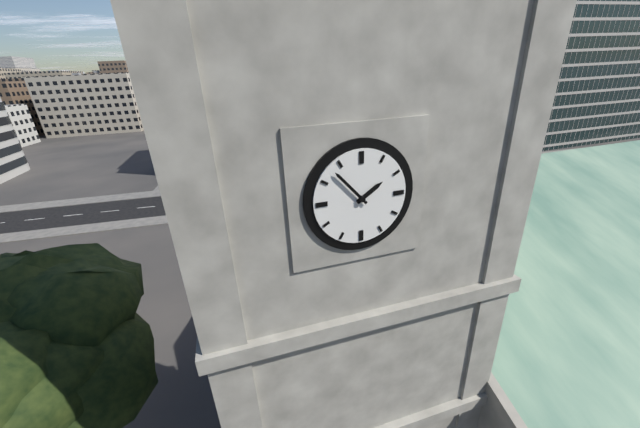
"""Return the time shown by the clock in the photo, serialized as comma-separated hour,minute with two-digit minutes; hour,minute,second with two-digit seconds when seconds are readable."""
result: 1,53
